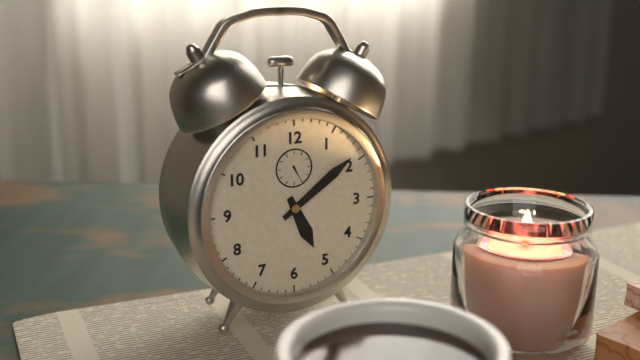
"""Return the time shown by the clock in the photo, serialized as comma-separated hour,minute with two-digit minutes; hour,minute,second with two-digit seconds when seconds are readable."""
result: 5,09
